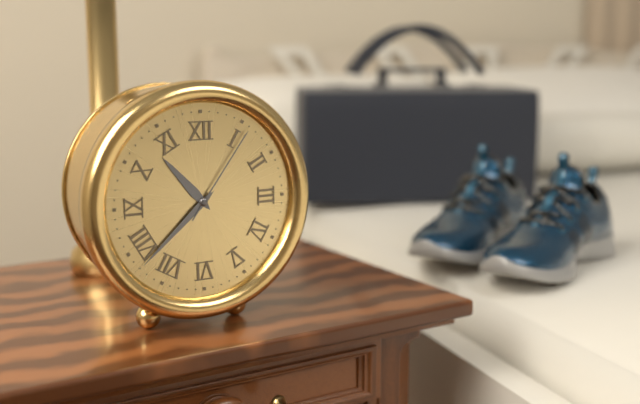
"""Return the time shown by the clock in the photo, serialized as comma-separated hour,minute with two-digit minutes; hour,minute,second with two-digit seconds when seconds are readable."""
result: 10,38,06
